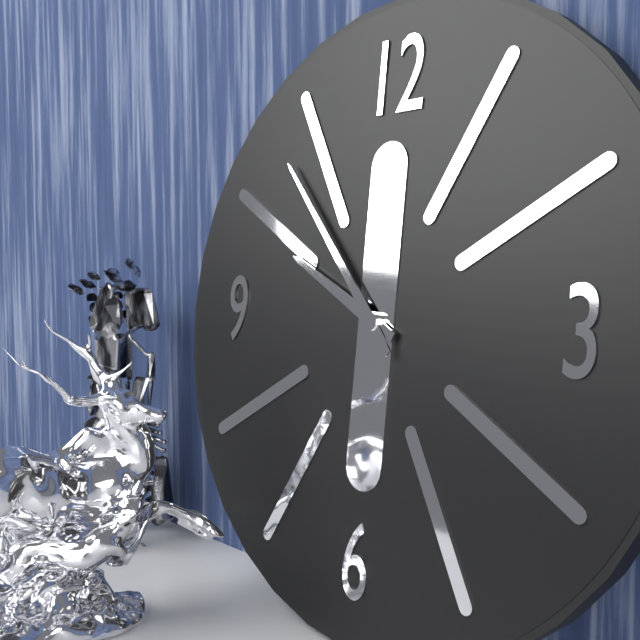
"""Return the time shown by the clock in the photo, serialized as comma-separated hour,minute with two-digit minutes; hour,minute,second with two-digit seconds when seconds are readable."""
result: 9,53
